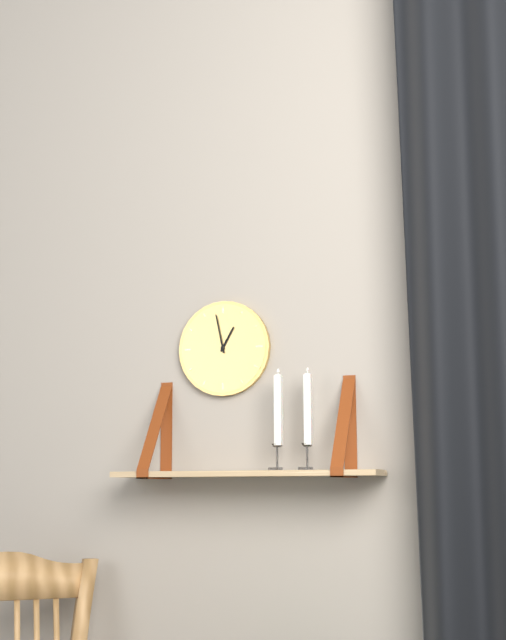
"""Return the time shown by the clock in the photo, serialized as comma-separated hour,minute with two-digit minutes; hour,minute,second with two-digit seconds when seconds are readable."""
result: 12,58
